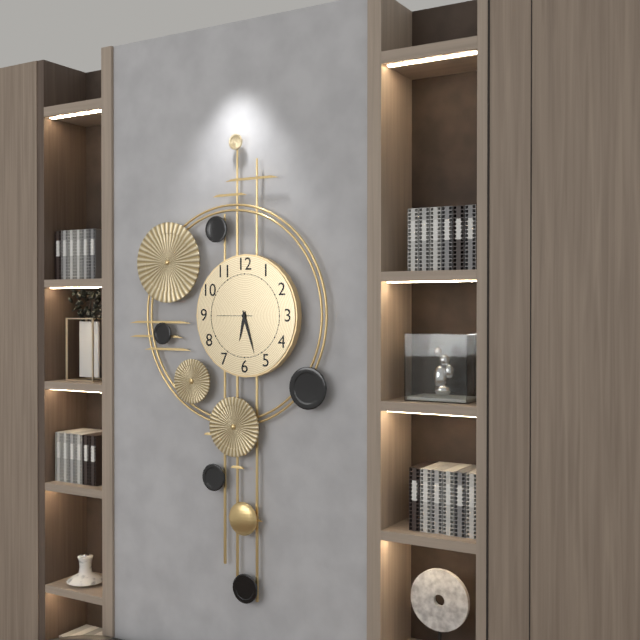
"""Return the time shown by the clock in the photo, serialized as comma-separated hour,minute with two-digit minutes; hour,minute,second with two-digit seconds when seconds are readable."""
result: 6,27
